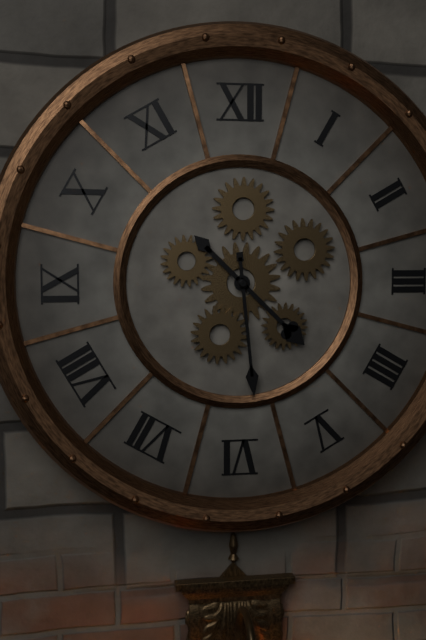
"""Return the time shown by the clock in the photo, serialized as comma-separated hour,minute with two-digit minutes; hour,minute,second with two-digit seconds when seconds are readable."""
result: 4,29
